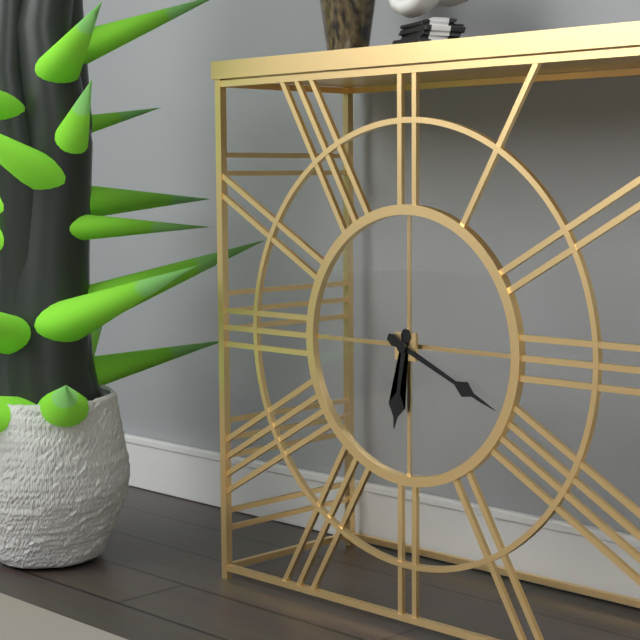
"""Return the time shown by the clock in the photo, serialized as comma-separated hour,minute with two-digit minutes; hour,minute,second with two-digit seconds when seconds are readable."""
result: 6,19
